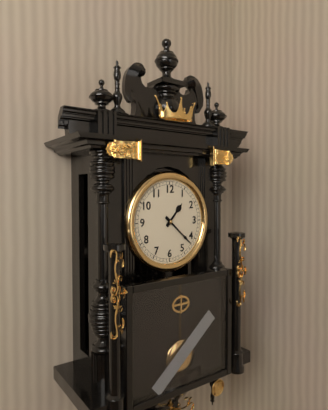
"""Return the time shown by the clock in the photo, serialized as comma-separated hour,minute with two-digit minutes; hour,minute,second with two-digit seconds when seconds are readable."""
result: 1,22
